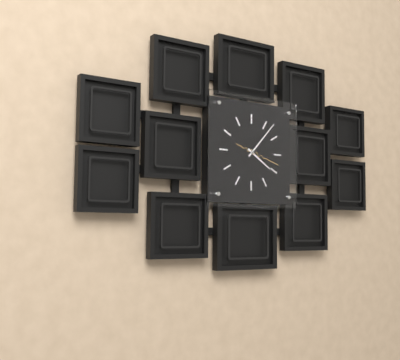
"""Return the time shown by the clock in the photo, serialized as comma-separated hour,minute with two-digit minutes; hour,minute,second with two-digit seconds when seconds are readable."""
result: 4,07
